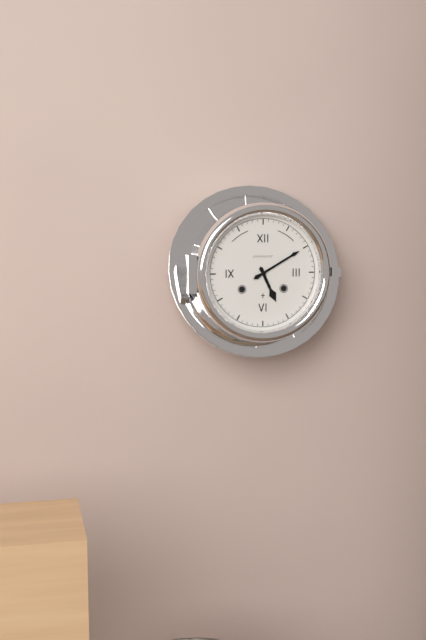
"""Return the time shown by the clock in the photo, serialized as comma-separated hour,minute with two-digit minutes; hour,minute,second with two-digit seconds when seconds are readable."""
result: 5,10
